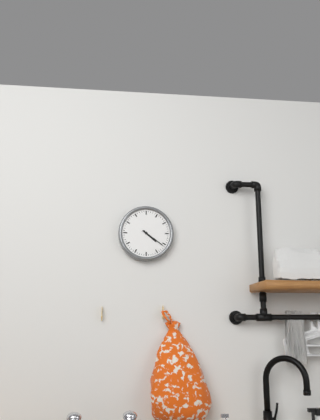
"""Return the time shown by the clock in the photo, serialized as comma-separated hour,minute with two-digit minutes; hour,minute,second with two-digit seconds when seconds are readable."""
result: 4,21
